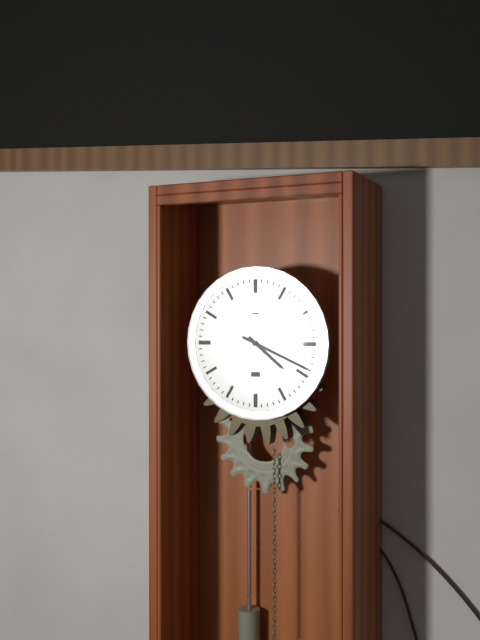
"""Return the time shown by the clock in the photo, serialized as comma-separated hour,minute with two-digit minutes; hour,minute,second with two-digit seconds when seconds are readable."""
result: 4,19
